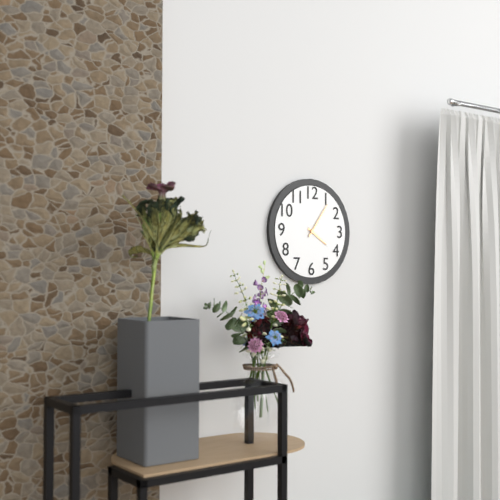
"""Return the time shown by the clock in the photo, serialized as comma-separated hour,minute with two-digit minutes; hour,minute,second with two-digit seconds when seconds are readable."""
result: 4,06
